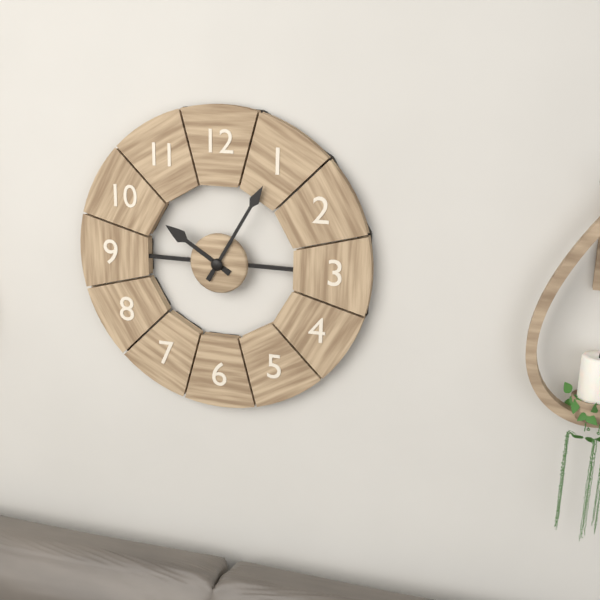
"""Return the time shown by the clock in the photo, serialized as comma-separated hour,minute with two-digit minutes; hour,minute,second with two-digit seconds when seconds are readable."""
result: 10,05
